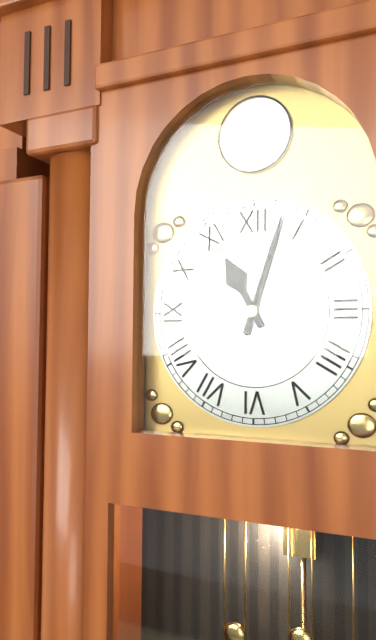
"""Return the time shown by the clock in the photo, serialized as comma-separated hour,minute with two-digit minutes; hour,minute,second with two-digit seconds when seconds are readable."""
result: 11,03
